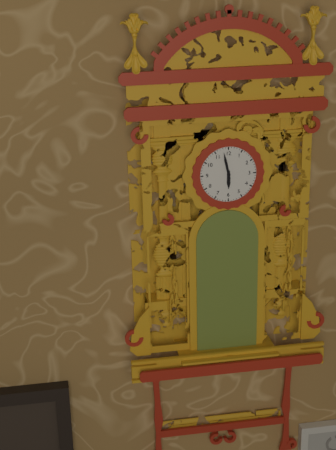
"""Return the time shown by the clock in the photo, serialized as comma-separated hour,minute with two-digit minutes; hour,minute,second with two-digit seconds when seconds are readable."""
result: 5,58
